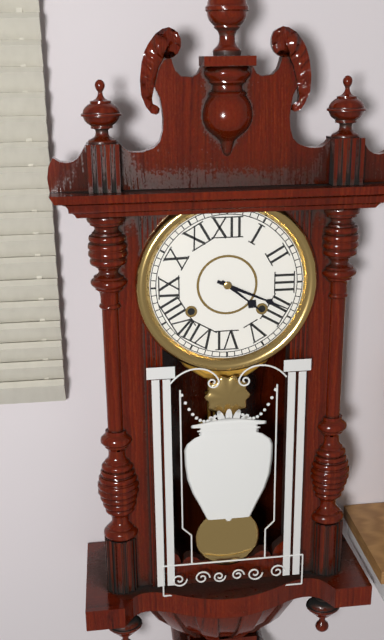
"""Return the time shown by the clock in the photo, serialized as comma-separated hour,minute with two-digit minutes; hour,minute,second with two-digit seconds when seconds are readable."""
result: 4,19
